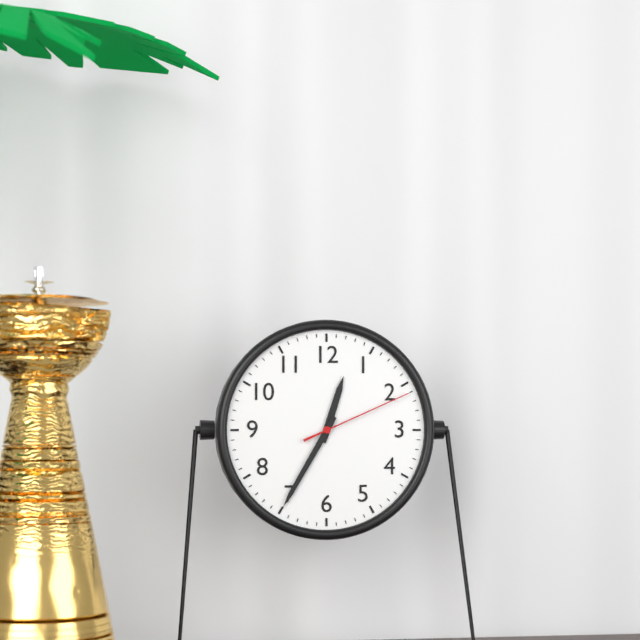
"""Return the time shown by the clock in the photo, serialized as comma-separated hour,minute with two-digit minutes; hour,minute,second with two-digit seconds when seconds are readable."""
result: 12,35,11
